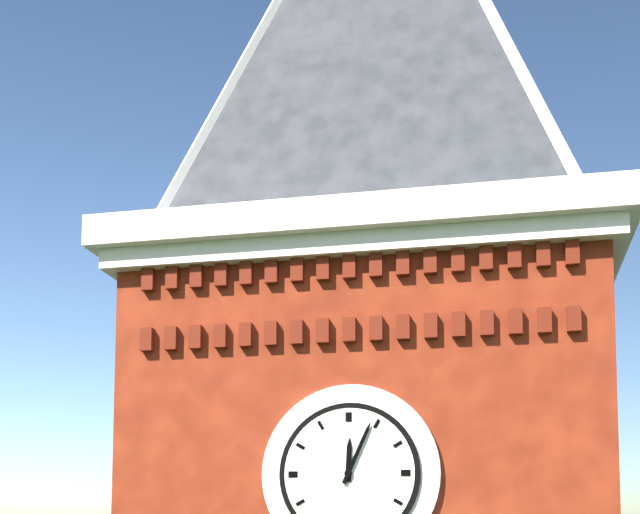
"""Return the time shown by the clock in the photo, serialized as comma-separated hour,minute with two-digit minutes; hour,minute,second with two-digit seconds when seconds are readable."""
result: 12,04
